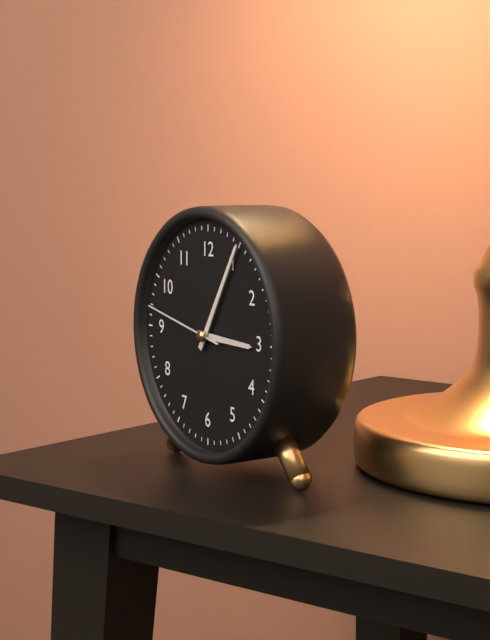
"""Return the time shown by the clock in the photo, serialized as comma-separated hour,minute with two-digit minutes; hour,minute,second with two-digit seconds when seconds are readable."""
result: 3,05,47
